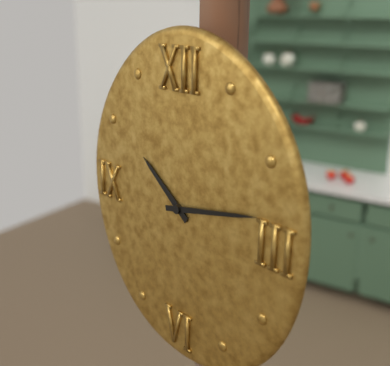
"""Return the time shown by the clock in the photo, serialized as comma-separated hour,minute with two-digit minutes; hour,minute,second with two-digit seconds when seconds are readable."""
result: 10,13
